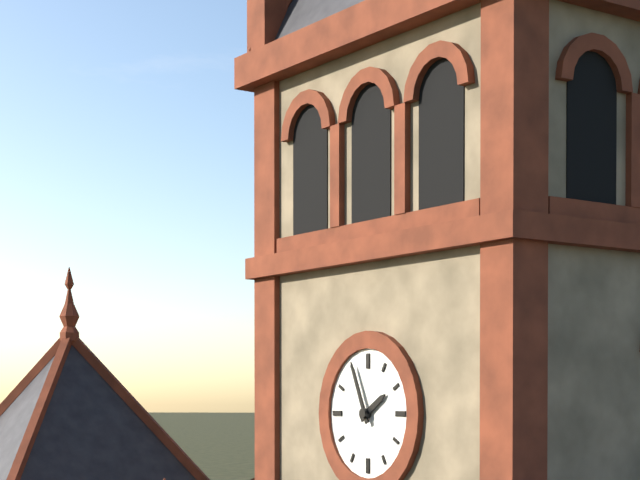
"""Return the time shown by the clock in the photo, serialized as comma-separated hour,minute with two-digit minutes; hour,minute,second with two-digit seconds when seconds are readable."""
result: 1,56
